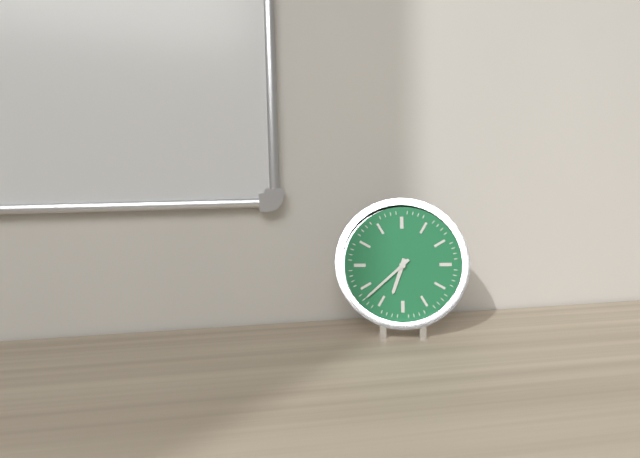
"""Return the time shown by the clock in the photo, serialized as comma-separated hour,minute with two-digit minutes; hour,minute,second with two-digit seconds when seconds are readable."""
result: 6,38
